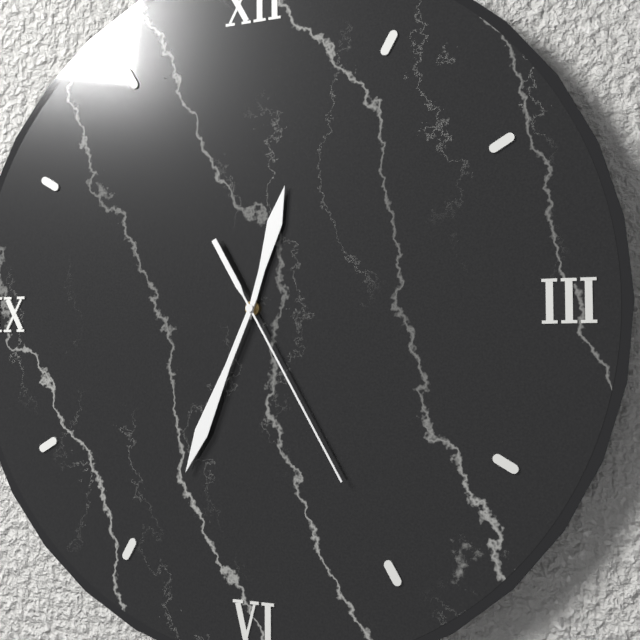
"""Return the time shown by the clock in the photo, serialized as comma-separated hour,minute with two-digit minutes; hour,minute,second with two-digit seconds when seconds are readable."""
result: 12,34,25
